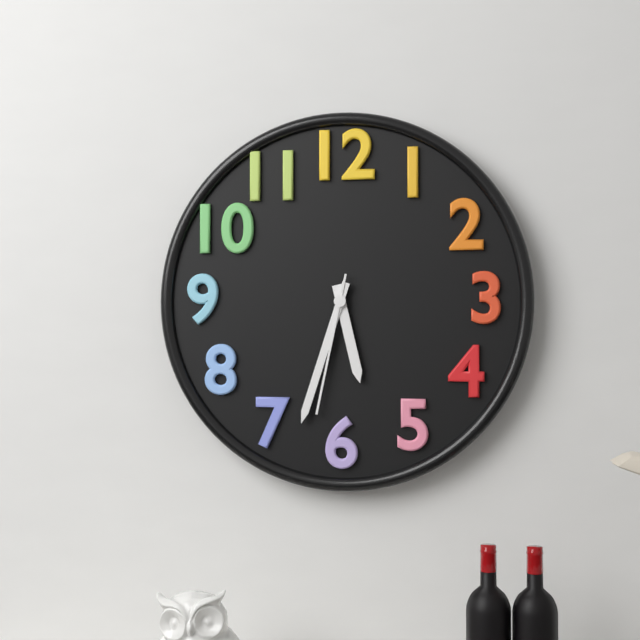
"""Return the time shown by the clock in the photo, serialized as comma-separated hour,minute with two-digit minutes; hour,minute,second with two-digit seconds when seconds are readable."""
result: 5,33,32
